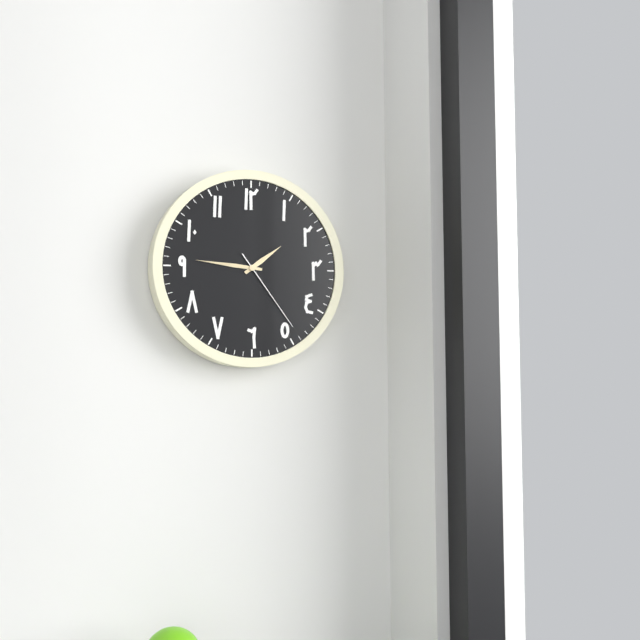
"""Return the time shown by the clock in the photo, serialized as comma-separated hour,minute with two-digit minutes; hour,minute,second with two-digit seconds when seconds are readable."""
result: 1,46,24
